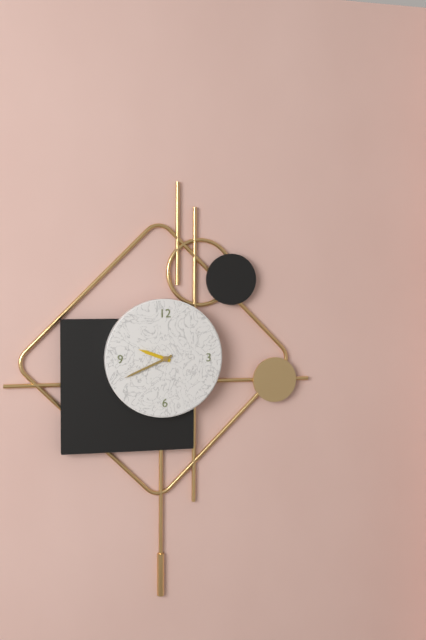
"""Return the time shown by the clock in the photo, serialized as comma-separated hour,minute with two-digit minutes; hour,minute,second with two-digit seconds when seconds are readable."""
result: 9,41
